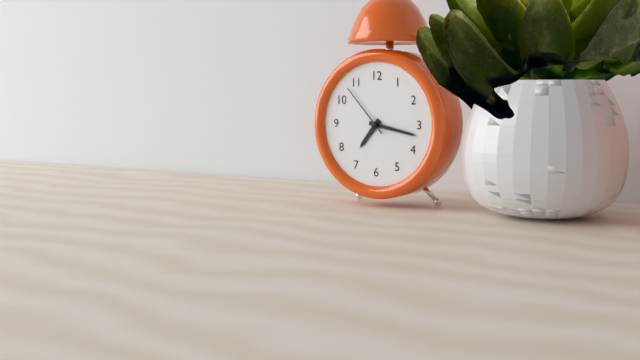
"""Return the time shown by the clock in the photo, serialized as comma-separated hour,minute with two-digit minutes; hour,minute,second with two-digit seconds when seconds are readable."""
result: 7,17,53
